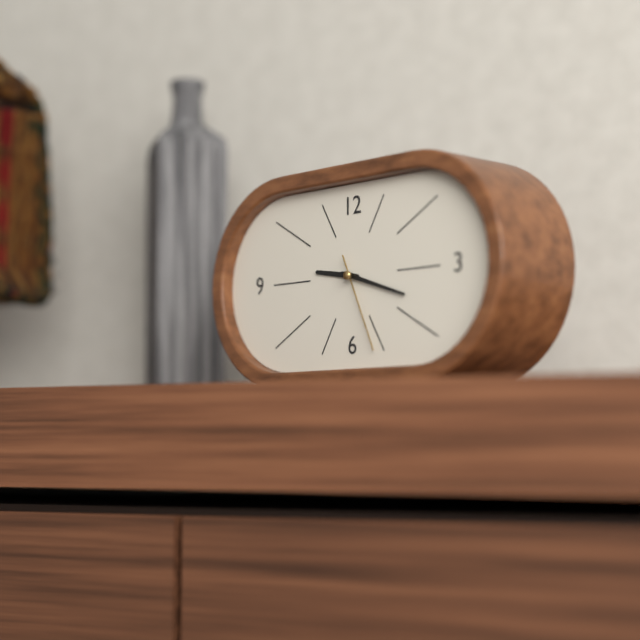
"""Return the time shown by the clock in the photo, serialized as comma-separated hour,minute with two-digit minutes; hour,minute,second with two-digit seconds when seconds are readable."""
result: 9,18,26
